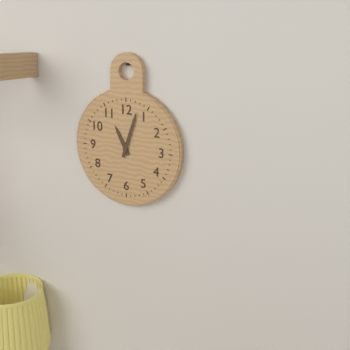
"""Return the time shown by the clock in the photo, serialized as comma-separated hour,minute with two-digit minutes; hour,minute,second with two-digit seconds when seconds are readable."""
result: 11,03
